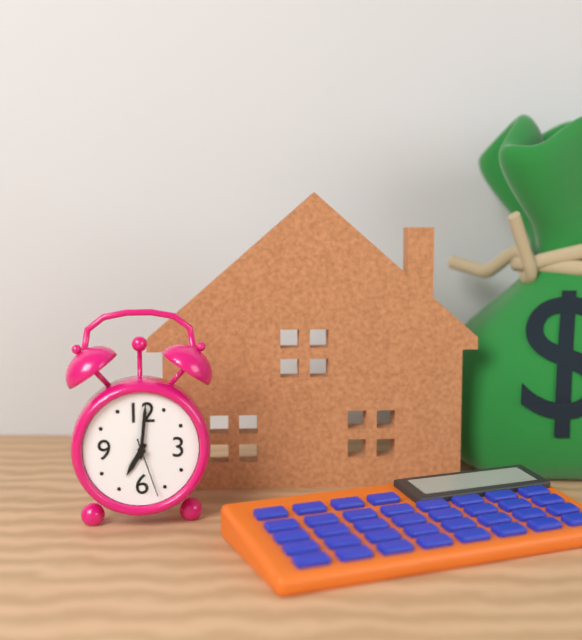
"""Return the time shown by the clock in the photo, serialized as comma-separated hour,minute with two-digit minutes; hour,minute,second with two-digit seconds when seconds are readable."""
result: 7,01,27
